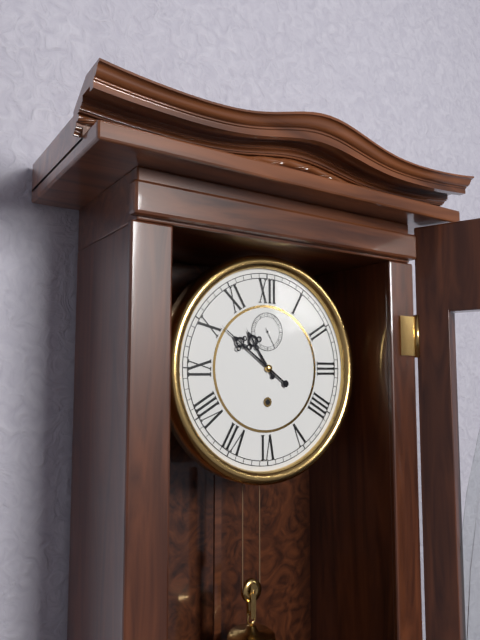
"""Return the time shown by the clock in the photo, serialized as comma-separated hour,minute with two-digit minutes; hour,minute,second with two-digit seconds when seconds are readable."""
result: 10,51
